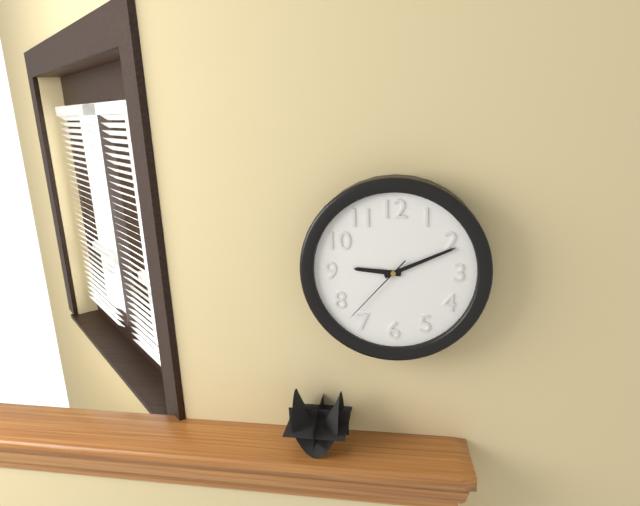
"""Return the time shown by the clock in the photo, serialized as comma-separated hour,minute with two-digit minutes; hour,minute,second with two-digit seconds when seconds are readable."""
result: 9,11,37
